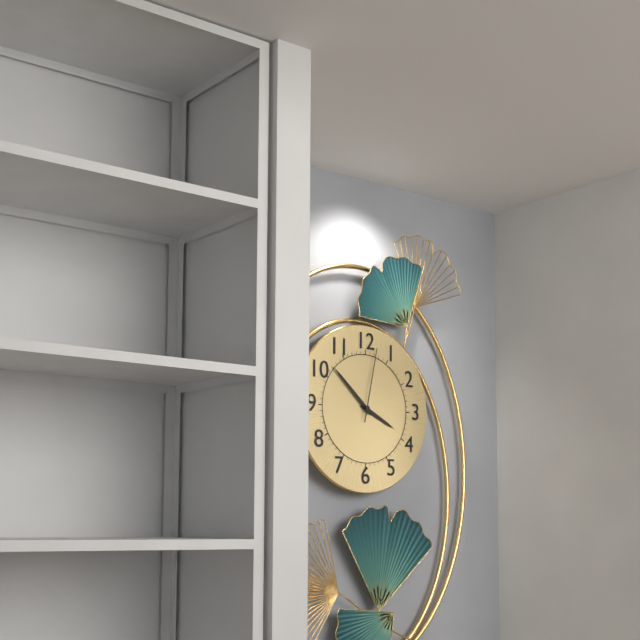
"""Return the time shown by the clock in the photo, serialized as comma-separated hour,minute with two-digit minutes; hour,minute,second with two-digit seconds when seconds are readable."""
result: 3,52,02
